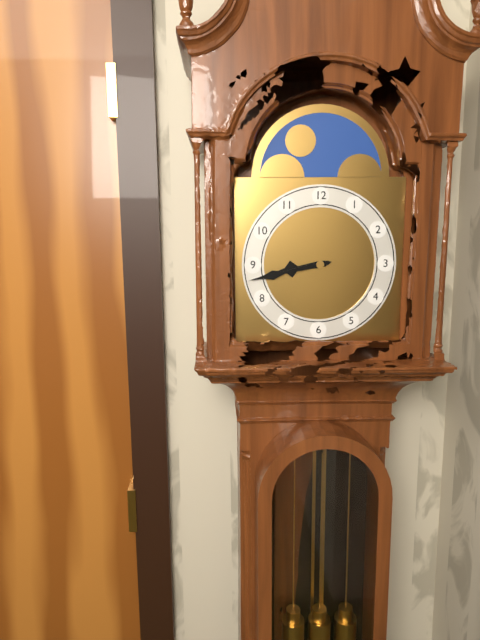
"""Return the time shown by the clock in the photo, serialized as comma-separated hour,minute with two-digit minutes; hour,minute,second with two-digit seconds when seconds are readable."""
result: 8,43
